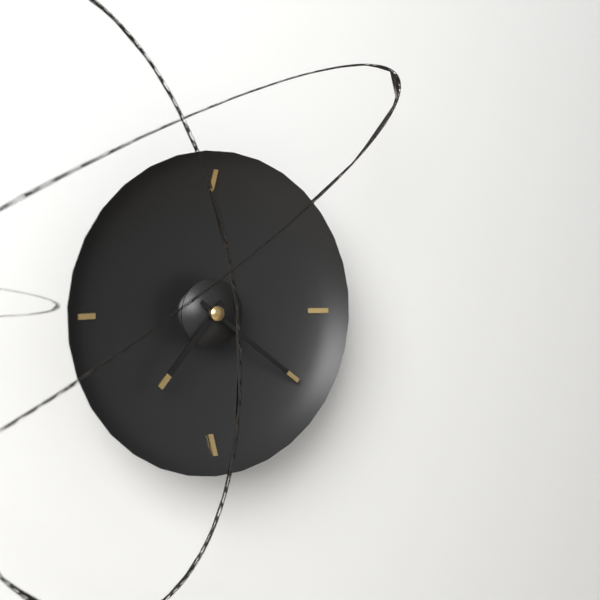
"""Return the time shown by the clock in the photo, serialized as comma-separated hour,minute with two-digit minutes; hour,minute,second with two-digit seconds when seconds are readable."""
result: 7,21
